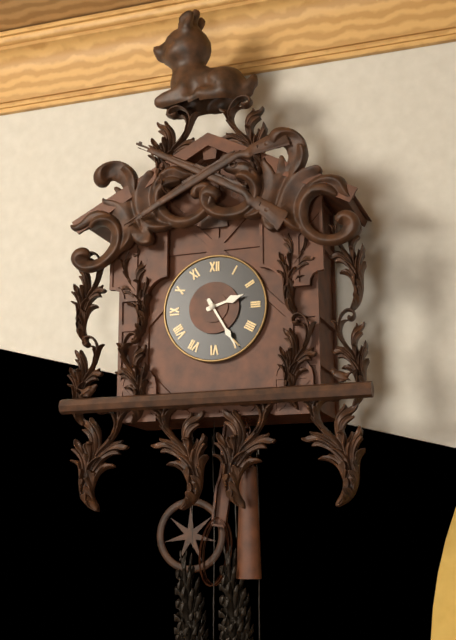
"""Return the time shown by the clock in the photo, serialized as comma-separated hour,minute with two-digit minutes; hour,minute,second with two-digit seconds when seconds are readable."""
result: 2,25
